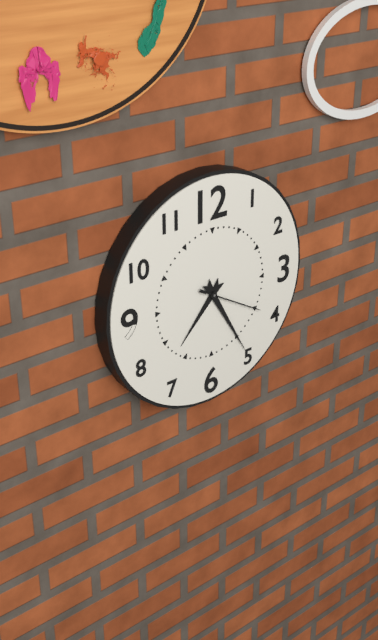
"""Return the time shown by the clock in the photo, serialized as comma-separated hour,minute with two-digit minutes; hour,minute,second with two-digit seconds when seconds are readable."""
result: 7,25,20
